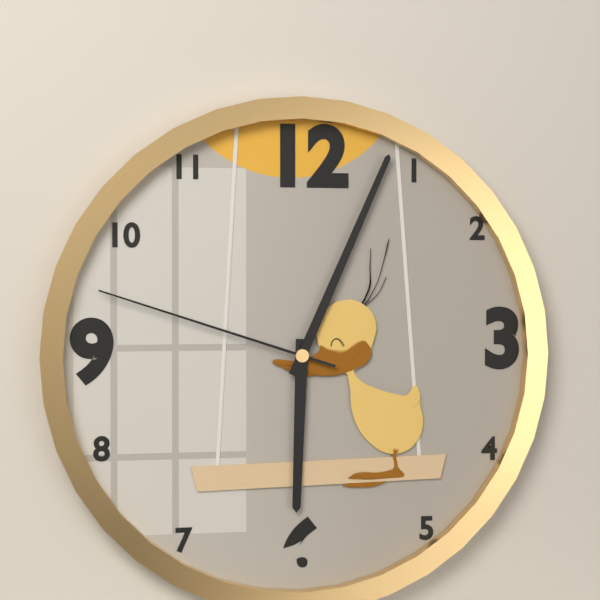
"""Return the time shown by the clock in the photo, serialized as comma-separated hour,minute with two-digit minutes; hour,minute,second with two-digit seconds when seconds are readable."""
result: 6,04,48
